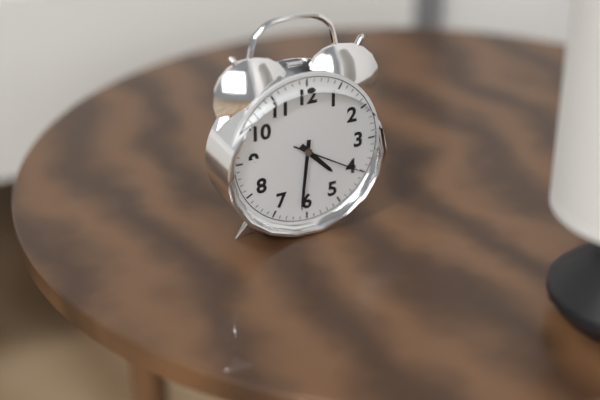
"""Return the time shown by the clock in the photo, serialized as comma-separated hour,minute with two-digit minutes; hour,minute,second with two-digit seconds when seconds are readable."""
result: 4,31,20
